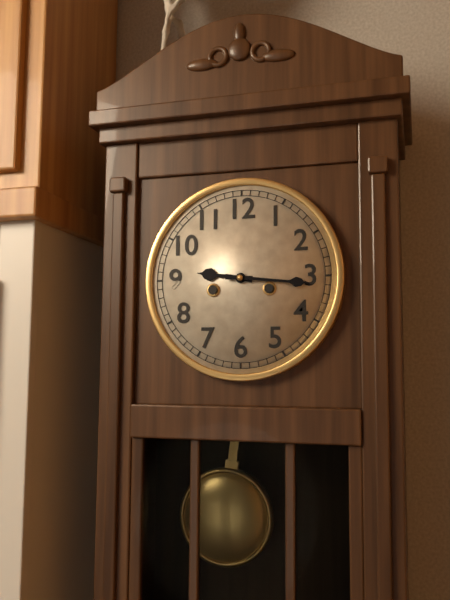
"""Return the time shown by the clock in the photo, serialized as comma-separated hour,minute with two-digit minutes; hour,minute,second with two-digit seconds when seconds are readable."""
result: 9,16
